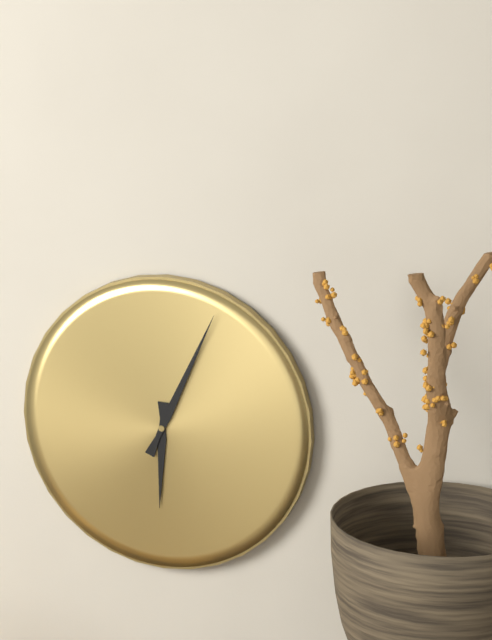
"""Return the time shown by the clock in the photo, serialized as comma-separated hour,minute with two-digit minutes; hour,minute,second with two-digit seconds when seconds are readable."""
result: 6,04
